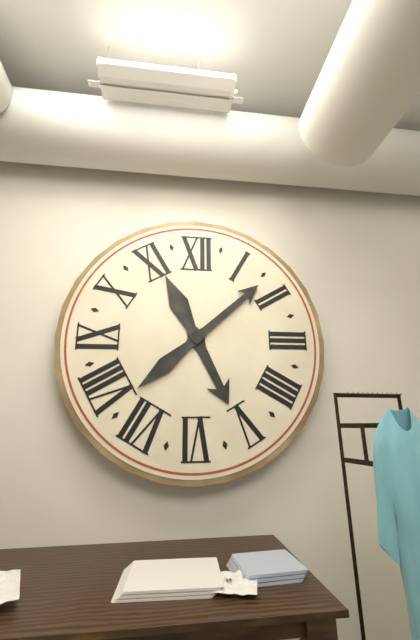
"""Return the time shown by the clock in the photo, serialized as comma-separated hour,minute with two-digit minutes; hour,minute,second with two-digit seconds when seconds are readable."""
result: 5,08
